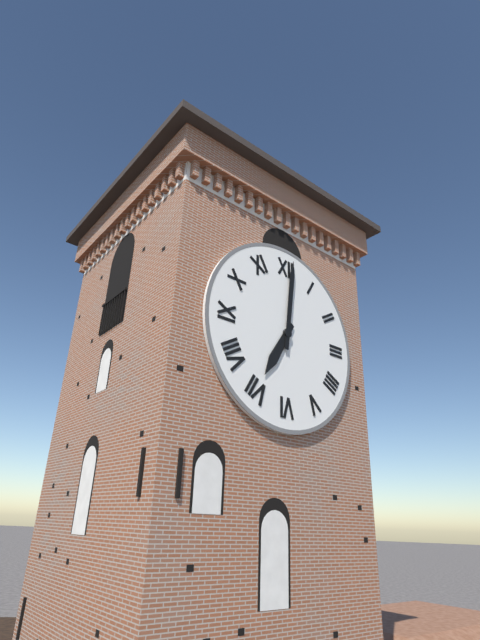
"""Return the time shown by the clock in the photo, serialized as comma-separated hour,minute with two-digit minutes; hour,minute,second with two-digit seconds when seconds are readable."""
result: 7,01
